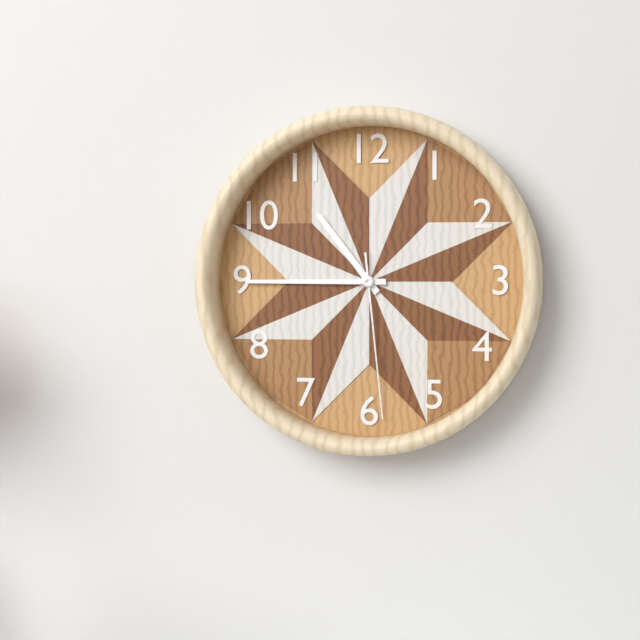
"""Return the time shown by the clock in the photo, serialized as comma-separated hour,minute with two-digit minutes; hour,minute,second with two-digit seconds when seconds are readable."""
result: 10,45,29
